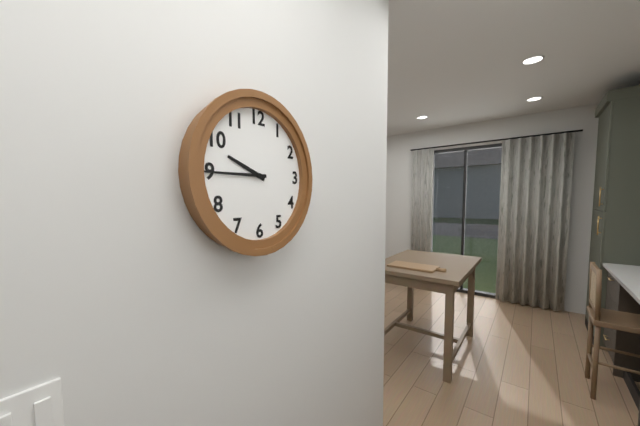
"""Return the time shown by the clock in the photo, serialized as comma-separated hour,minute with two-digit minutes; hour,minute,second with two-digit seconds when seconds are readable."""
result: 9,45
